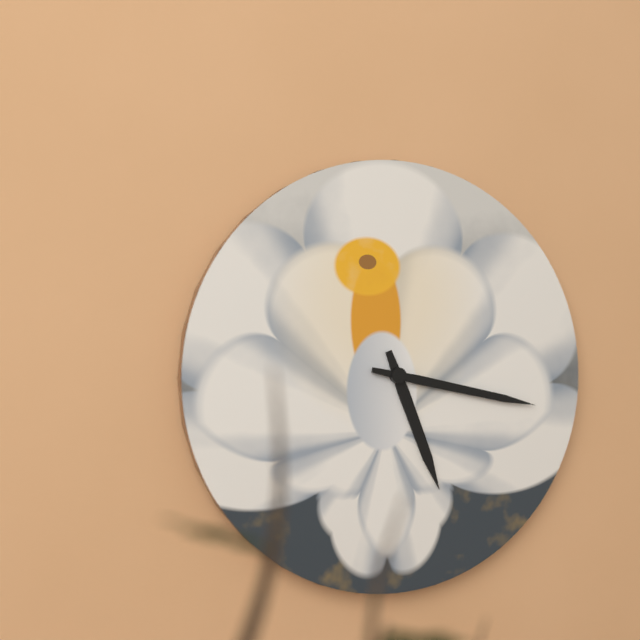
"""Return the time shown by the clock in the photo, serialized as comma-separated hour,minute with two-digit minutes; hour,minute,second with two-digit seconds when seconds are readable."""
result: 5,17
